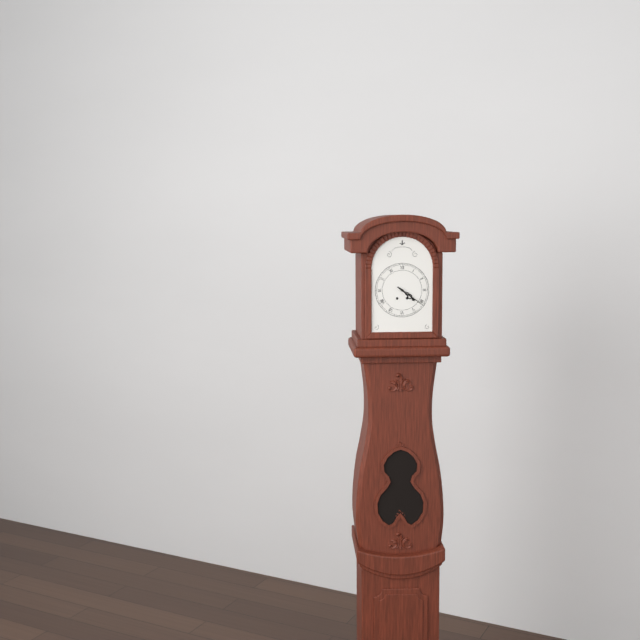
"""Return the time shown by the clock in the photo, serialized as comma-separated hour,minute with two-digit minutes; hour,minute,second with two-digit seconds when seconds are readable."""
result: 4,21
